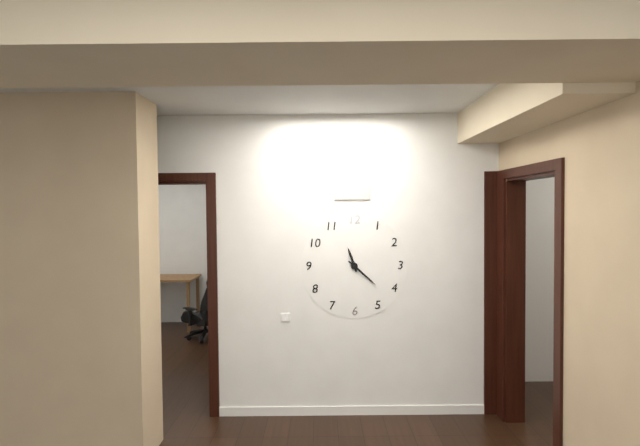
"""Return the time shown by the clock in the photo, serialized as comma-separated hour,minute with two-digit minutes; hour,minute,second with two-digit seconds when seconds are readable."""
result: 11,22
